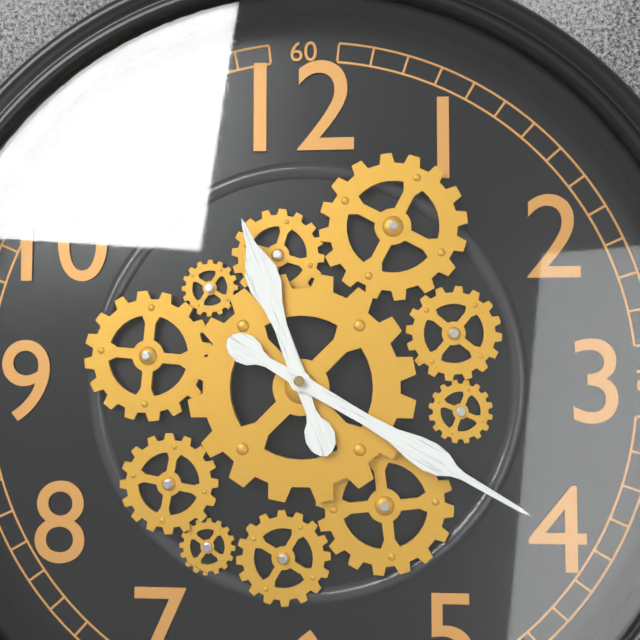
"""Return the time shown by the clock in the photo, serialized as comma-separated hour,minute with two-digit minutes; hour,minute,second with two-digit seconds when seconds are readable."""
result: 11,20
